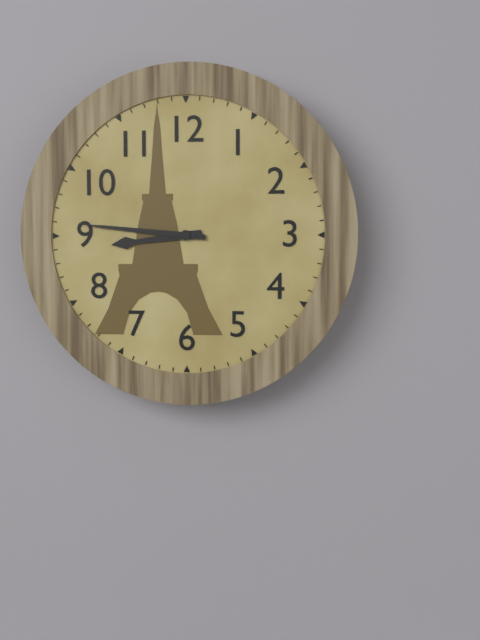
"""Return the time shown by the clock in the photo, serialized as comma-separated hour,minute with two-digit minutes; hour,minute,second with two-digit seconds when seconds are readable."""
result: 8,46
